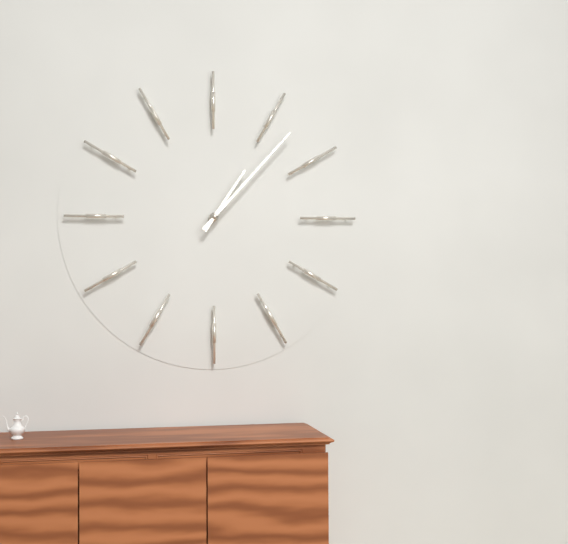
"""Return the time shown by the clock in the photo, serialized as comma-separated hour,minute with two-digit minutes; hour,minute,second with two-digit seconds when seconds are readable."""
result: 1,07
